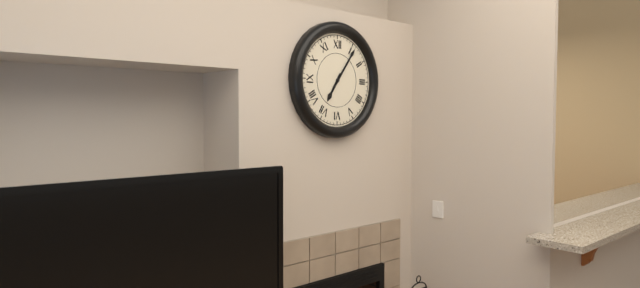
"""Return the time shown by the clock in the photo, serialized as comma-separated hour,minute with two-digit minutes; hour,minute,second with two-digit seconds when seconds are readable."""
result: 7,06
